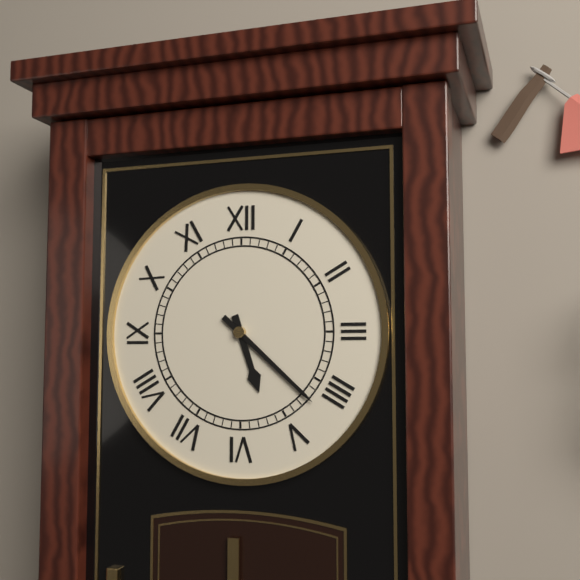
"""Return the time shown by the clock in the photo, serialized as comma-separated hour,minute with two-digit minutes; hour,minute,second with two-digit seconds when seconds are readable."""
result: 5,22
